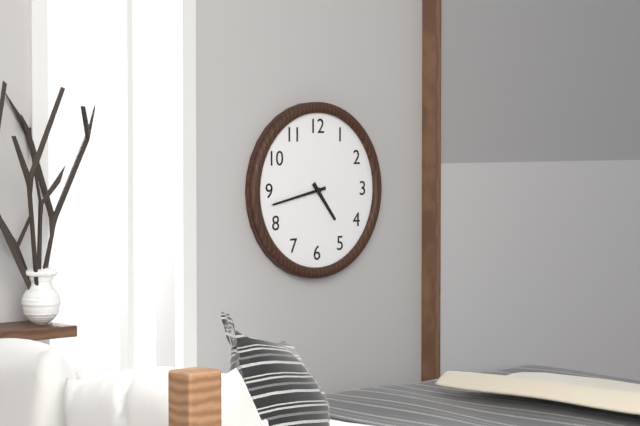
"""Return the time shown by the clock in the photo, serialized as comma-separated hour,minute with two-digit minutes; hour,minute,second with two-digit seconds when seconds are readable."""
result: 4,43
